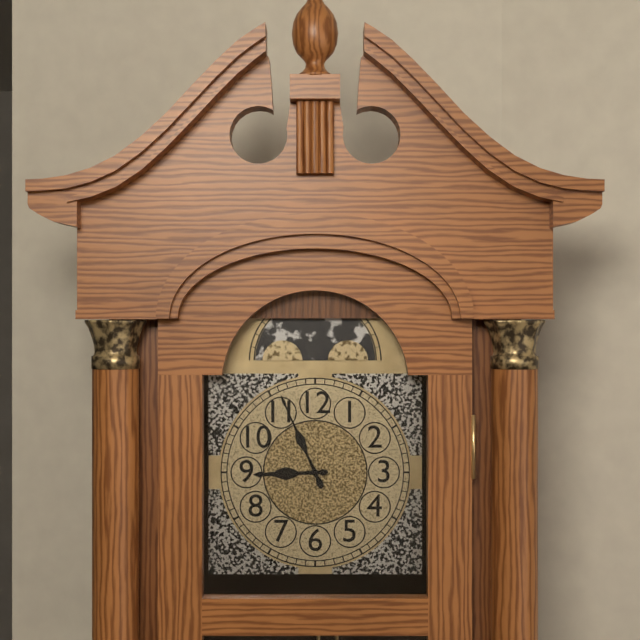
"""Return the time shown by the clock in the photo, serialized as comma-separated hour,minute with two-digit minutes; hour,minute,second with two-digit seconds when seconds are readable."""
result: 8,56
